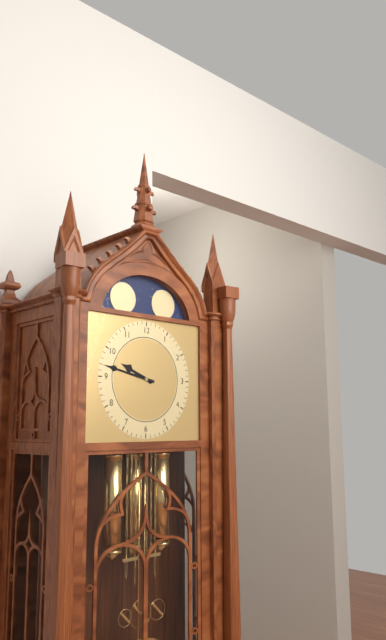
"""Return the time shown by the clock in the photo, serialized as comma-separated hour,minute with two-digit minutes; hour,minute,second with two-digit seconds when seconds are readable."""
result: 9,47
